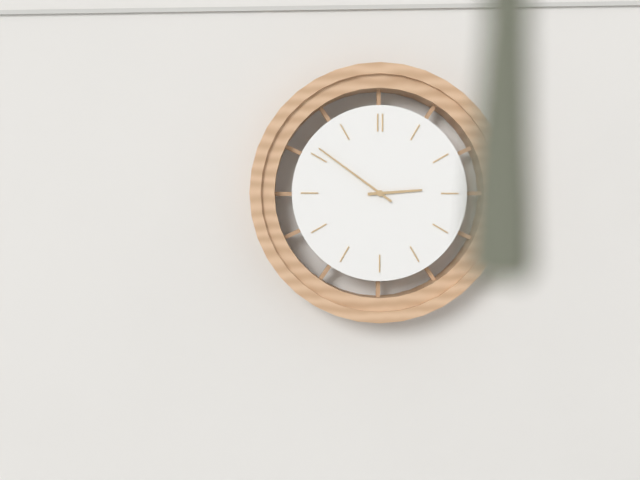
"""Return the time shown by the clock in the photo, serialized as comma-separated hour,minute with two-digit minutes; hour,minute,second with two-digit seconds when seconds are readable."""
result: 2,51
